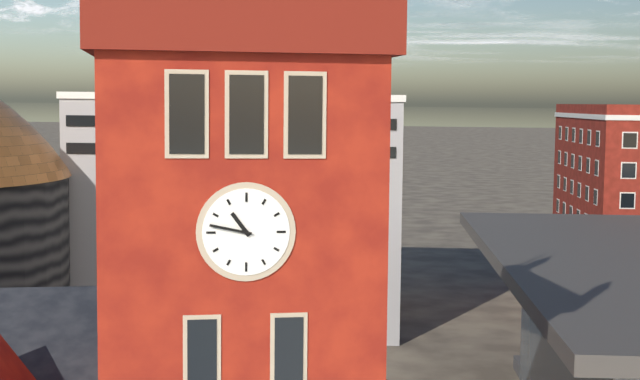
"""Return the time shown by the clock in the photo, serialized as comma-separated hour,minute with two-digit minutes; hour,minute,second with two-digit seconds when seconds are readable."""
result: 10,47
